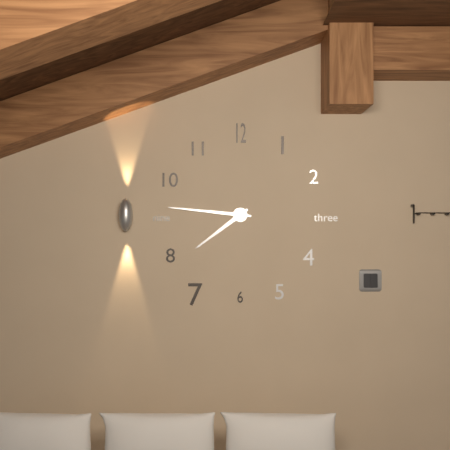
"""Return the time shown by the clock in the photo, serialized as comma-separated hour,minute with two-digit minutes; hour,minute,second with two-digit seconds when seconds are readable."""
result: 7,46
